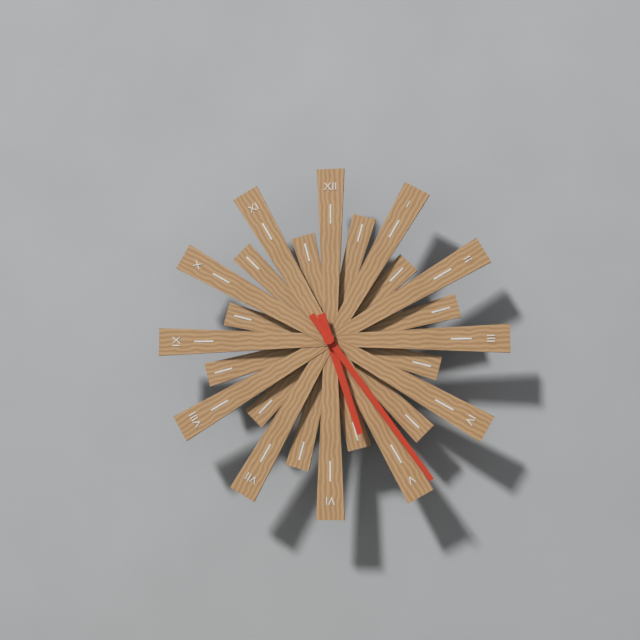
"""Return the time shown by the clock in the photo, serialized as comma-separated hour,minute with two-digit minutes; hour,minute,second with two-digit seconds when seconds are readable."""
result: 5,24
